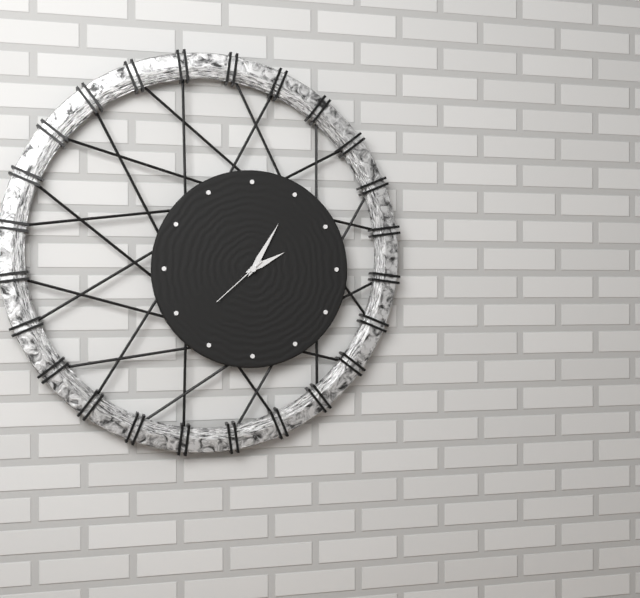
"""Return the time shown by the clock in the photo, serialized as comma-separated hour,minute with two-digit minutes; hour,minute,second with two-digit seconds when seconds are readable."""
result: 2,05,38
